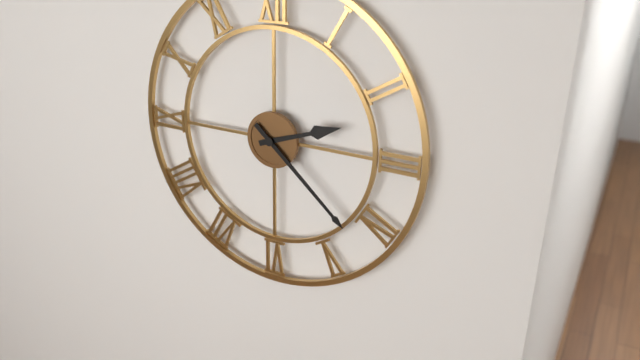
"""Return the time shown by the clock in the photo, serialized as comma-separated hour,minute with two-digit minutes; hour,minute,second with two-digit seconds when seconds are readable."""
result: 2,22
